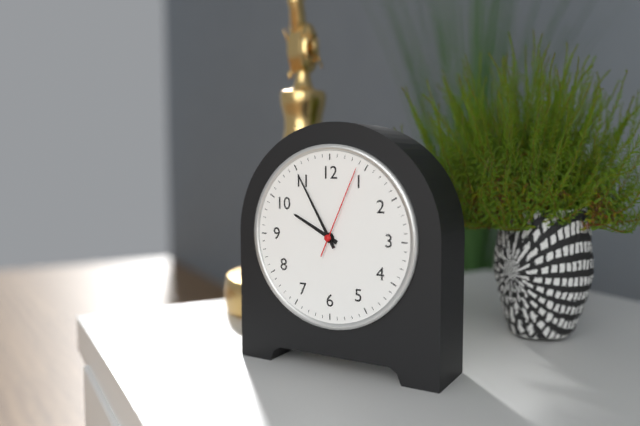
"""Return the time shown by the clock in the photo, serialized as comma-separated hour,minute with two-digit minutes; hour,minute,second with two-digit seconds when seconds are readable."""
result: 9,55,04
